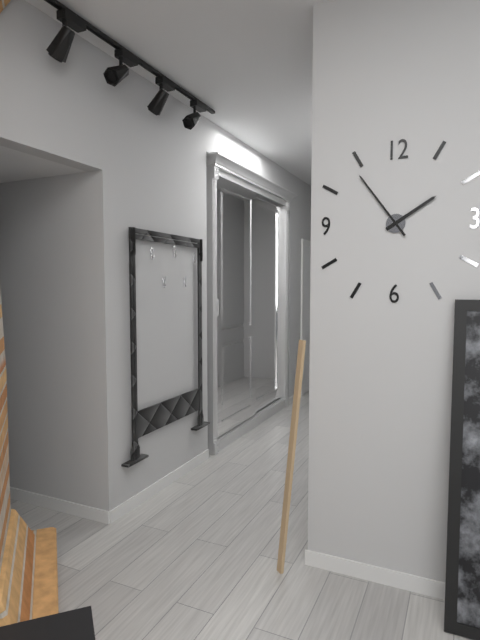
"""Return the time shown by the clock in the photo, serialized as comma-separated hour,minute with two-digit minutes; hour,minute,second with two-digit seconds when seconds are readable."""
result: 1,54
